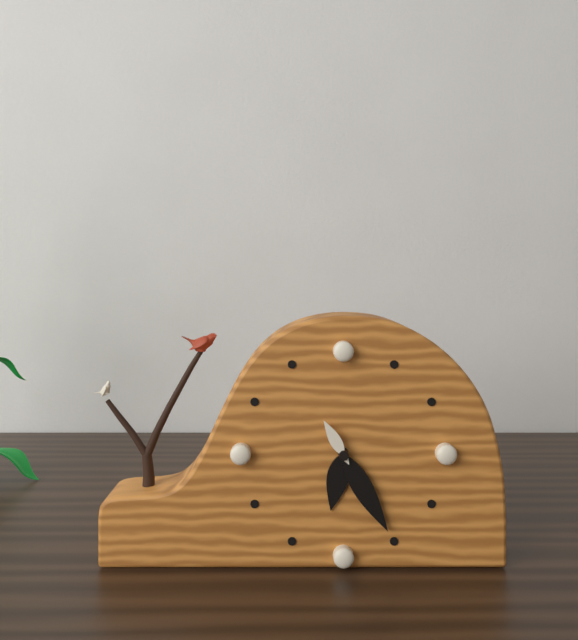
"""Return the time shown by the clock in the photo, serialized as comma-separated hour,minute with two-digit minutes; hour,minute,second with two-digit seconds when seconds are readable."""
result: 6,25,55
